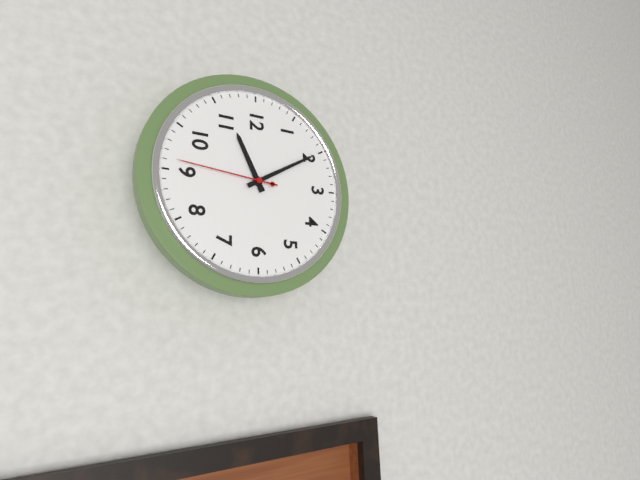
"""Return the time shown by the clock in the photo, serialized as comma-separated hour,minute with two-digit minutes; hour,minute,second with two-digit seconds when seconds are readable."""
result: 11,10,46
